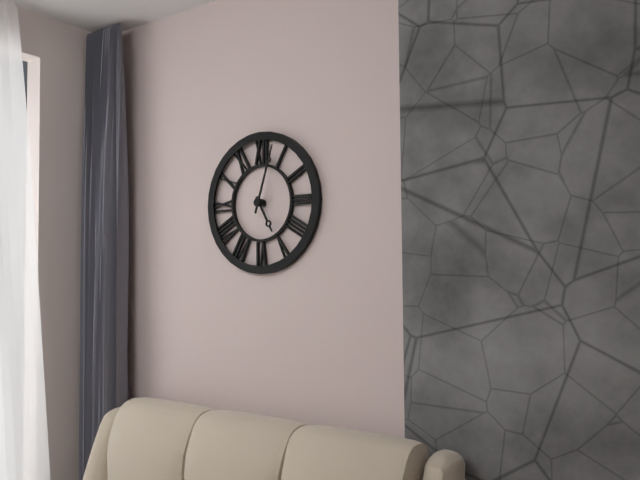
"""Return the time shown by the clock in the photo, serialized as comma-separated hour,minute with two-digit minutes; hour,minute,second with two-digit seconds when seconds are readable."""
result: 5,03
